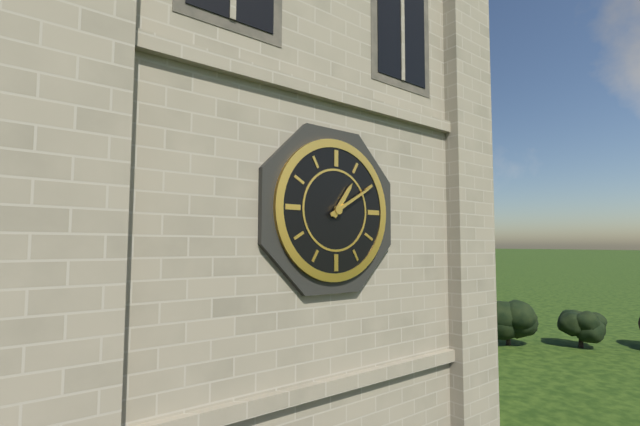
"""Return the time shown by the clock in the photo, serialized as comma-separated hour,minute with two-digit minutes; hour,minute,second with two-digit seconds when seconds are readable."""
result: 1,10
